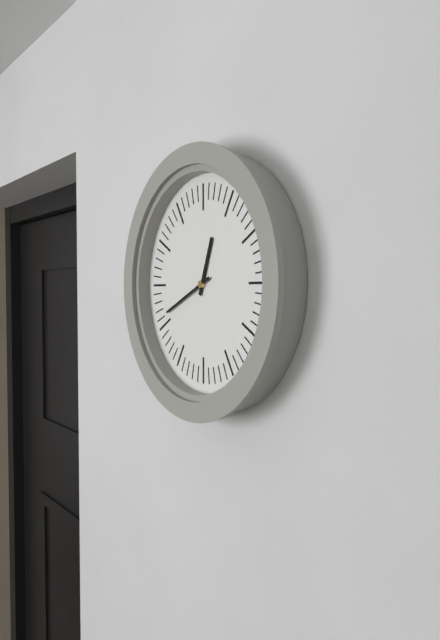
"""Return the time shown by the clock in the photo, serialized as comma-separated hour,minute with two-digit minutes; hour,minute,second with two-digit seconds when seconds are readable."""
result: 12,41
